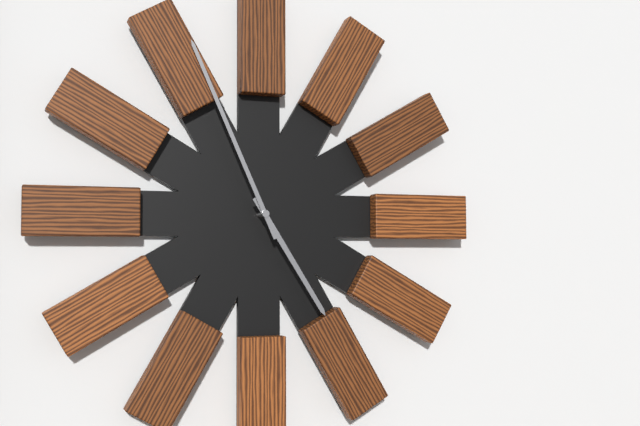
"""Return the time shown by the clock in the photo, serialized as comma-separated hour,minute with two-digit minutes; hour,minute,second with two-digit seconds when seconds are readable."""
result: 4,56
